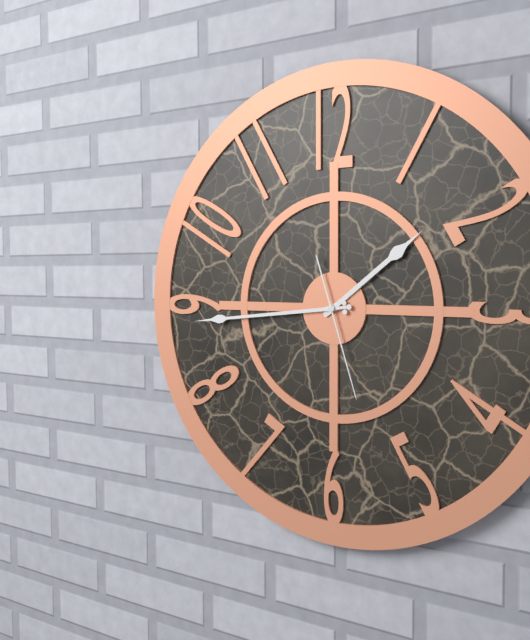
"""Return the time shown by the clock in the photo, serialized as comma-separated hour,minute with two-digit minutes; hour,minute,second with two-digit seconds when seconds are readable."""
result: 1,44,27
